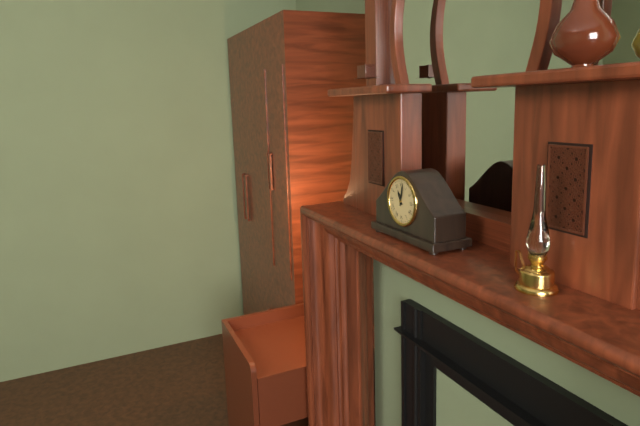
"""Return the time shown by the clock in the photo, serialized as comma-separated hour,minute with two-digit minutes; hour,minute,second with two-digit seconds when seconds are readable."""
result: 11,02
